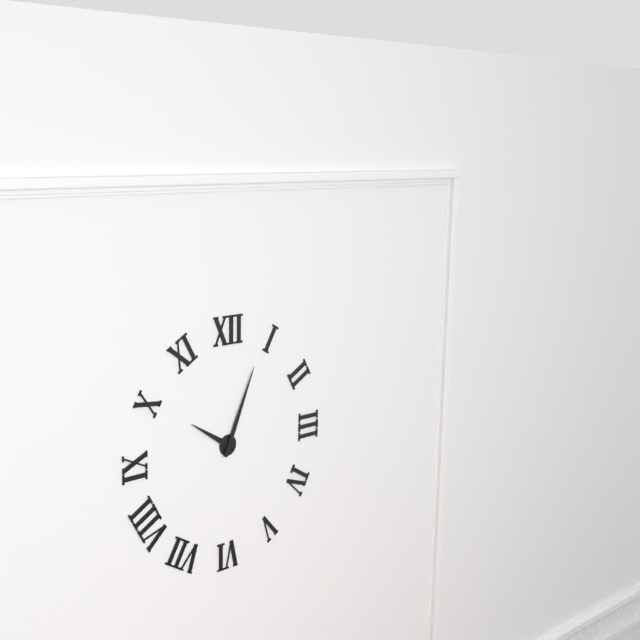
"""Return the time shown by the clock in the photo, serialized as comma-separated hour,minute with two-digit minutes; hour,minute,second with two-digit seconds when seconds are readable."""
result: 10,04
